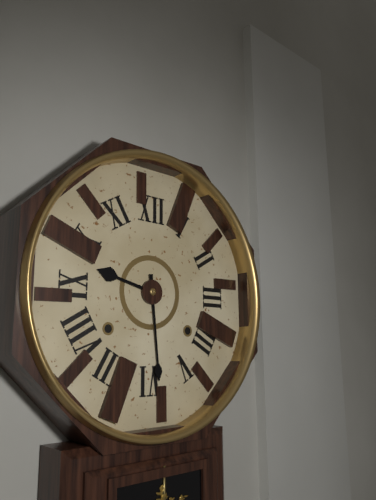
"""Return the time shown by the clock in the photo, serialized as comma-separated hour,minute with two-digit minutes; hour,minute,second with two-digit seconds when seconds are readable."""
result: 9,29
